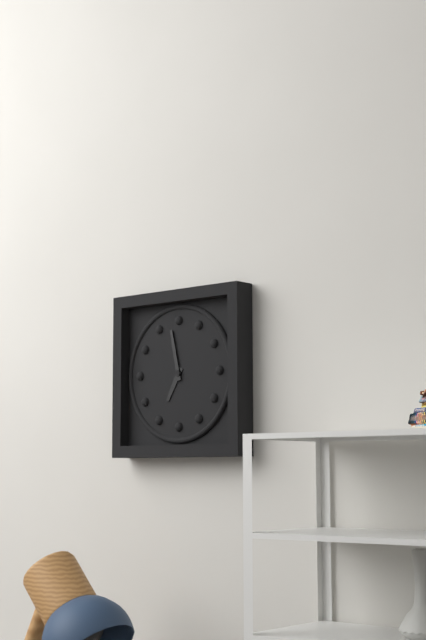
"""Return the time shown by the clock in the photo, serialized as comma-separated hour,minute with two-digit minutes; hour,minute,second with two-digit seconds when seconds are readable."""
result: 6,58
